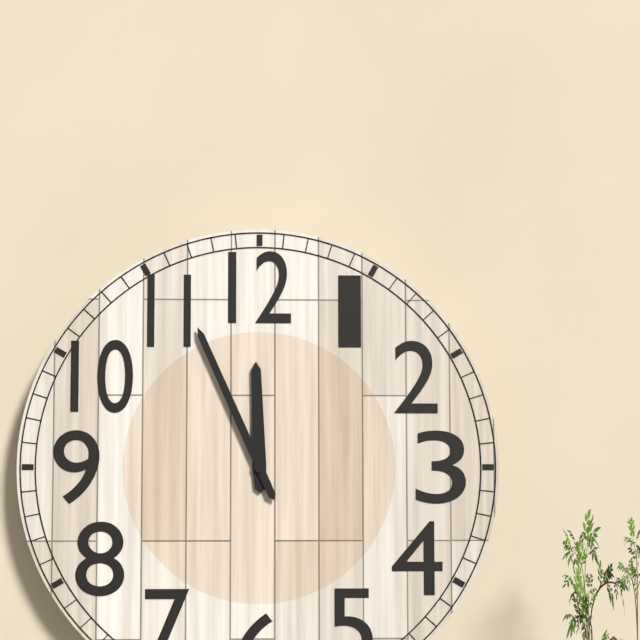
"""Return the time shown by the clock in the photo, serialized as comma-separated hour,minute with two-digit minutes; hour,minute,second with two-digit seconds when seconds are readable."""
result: 11,56
